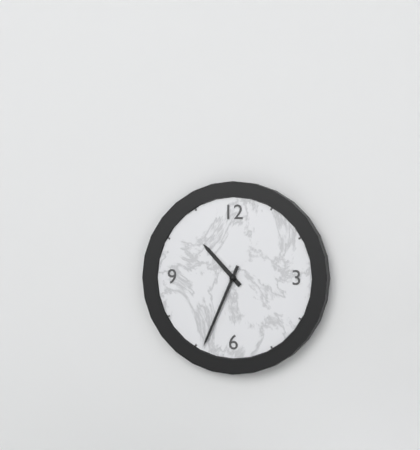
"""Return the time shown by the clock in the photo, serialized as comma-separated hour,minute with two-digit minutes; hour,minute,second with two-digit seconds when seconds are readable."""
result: 10,34
